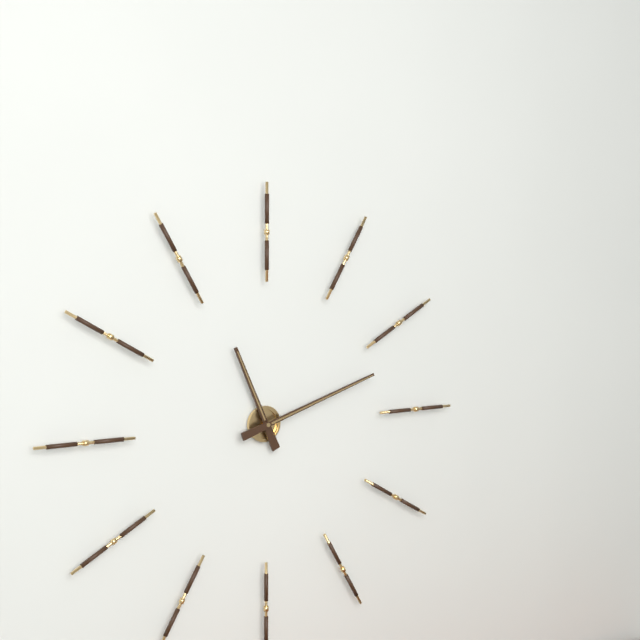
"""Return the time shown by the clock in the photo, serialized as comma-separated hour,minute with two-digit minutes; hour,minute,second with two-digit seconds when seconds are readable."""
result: 11,12
